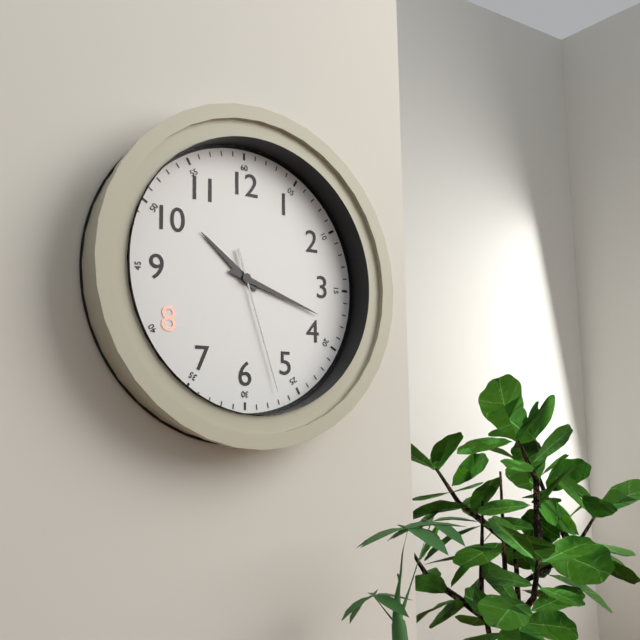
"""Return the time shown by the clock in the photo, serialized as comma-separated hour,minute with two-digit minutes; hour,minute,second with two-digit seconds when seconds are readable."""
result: 10,18,27
